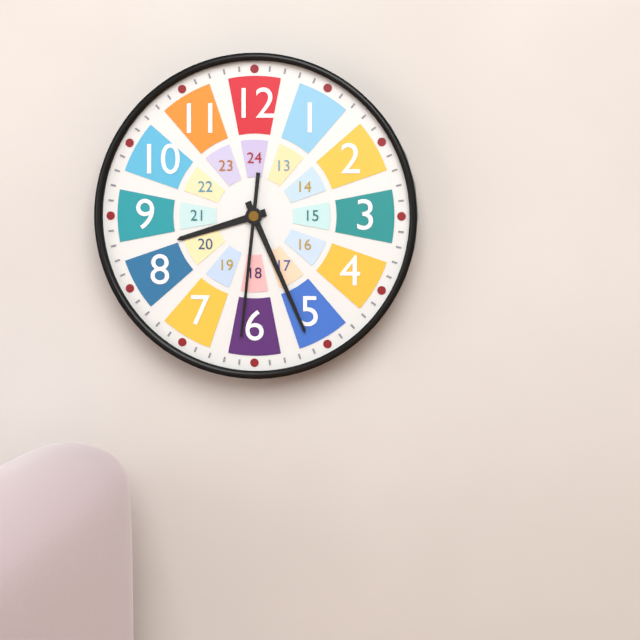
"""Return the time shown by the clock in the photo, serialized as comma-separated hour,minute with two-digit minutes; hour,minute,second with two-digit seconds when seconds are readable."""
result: 8,26,31
